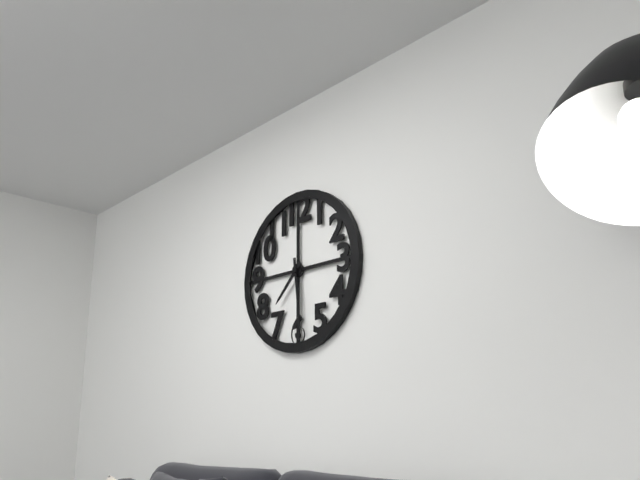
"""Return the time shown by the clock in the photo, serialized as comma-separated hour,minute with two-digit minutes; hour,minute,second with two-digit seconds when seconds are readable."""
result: 7,29
